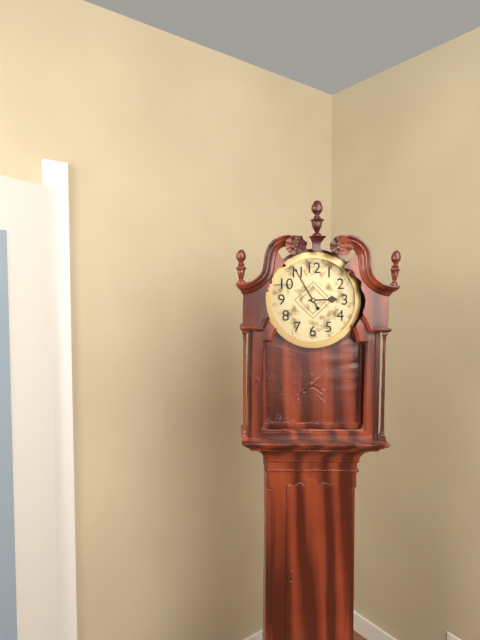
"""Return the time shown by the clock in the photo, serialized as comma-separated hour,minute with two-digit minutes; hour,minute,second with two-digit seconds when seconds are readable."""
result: 2,55
